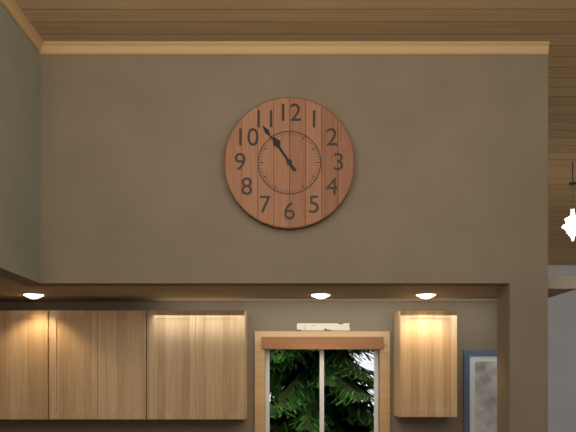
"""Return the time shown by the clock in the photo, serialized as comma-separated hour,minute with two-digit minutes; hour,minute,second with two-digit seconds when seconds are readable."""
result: 10,54
